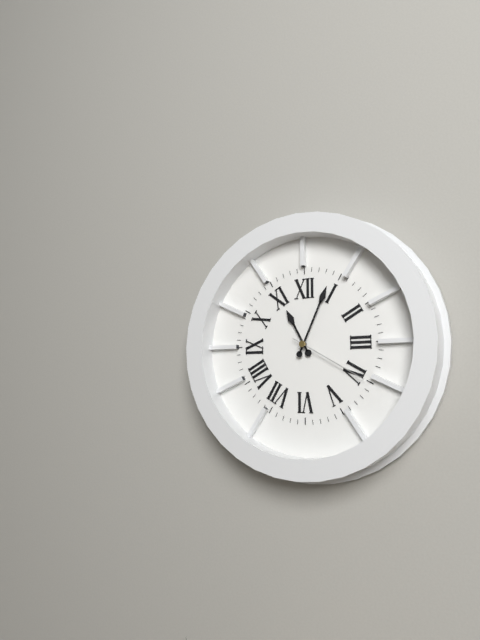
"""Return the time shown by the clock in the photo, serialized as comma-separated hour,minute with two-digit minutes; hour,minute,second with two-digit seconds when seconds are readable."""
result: 11,04,20
